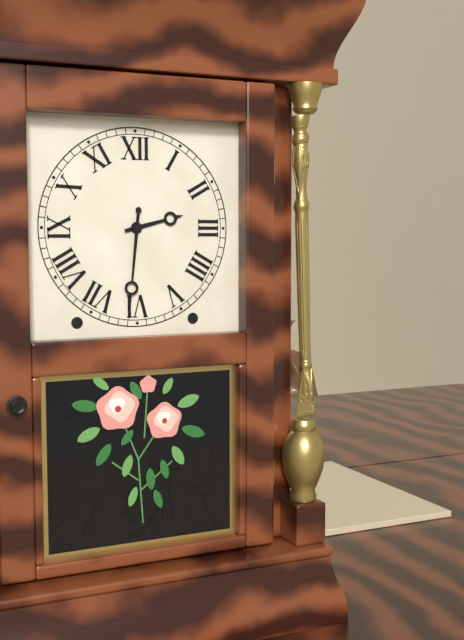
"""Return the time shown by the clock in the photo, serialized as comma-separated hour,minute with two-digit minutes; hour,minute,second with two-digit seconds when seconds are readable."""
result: 2,31
